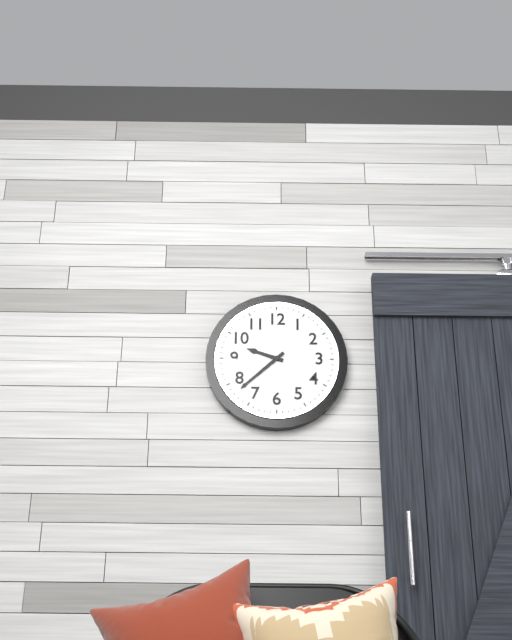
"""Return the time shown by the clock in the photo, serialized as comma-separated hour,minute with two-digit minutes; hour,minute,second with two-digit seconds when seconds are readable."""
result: 9,38
